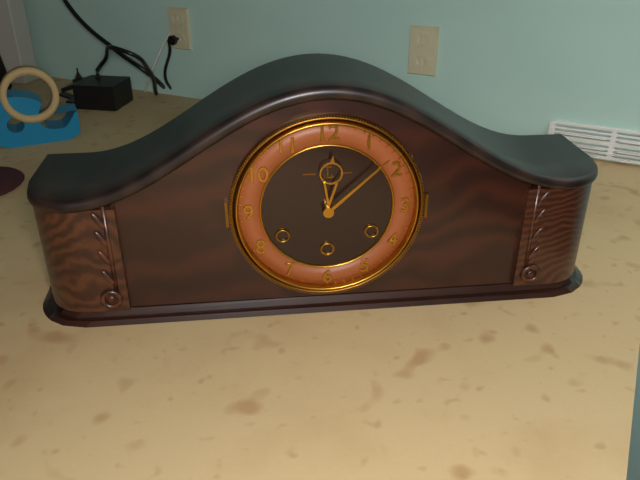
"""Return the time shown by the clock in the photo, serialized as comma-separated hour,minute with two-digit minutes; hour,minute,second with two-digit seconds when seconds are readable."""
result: 12,08
